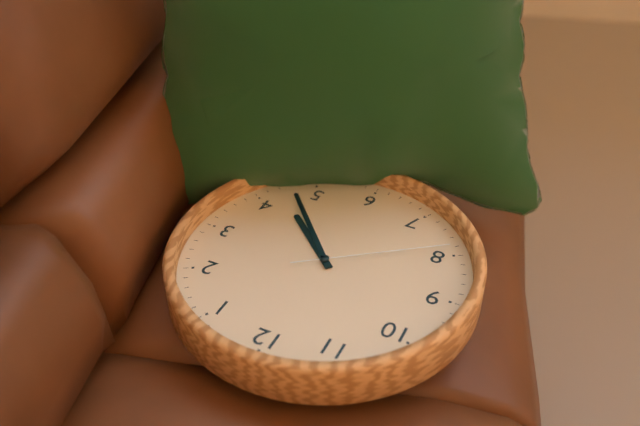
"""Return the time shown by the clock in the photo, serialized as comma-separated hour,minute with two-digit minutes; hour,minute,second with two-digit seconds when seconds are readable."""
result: 4,23,39
